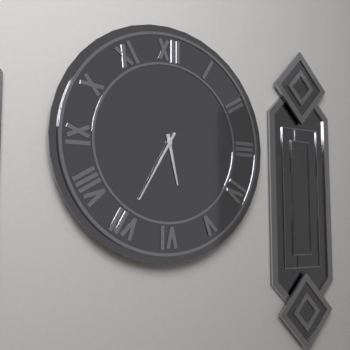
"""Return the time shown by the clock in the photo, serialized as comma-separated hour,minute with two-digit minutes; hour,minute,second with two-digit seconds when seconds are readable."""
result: 5,35
